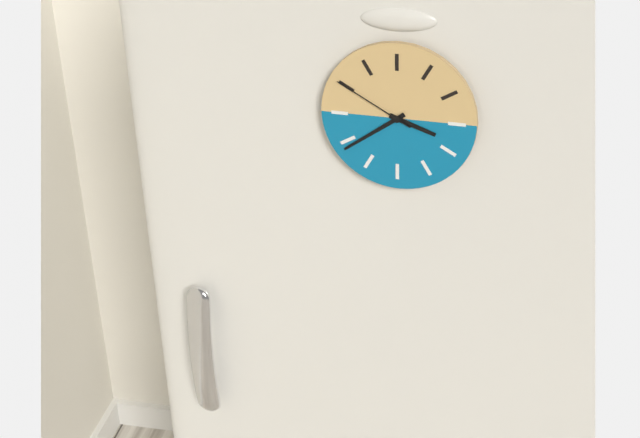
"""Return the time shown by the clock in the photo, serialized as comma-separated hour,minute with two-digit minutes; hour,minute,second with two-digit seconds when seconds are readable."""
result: 3,39,50
